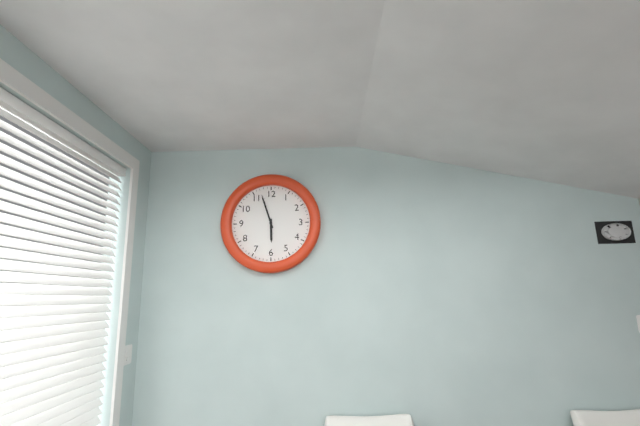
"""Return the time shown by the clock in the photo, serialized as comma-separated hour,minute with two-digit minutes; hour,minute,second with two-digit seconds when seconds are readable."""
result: 5,57
